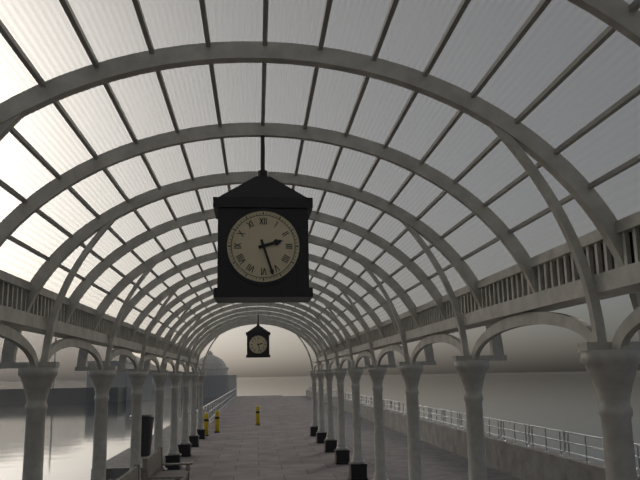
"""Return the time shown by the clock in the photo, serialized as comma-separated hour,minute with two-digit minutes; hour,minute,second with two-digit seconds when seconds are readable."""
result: 2,27
